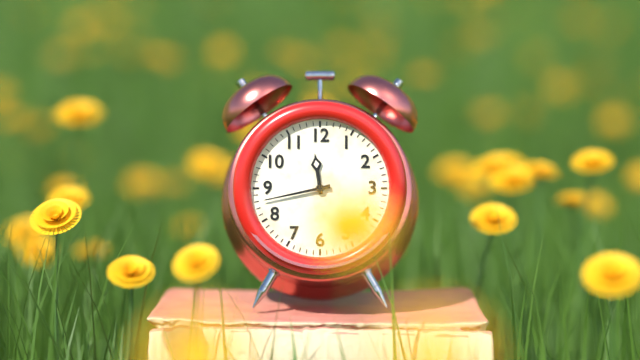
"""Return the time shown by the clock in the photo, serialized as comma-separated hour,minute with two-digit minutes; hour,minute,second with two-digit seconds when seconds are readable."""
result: 11,43
